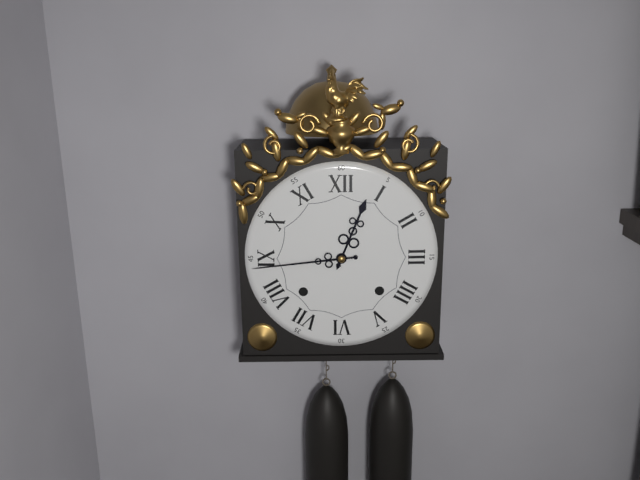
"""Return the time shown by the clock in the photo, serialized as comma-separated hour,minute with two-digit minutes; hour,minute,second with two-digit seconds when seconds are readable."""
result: 12,44
